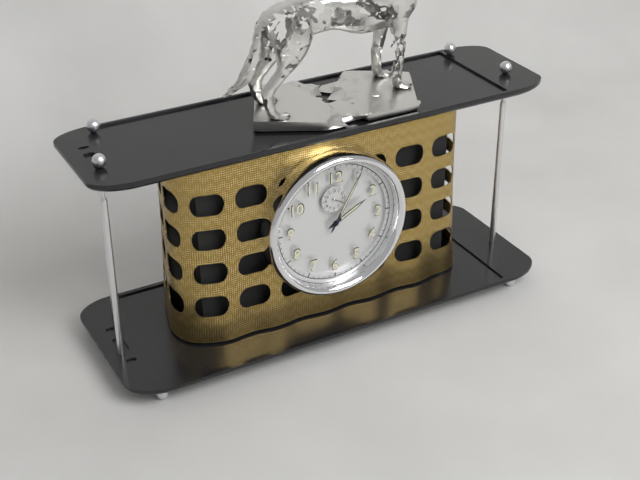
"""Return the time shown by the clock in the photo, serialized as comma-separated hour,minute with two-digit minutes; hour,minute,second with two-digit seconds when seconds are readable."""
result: 2,05
